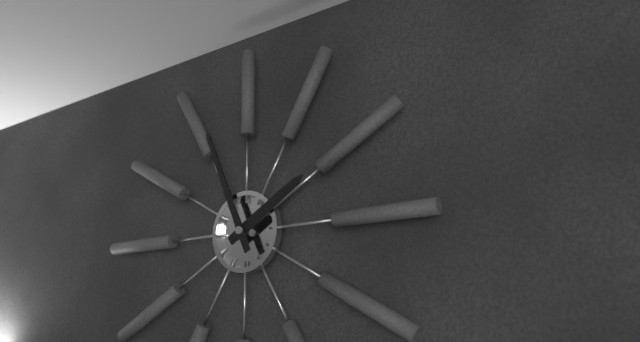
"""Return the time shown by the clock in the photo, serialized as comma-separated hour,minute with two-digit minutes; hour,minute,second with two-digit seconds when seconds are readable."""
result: 1,56
